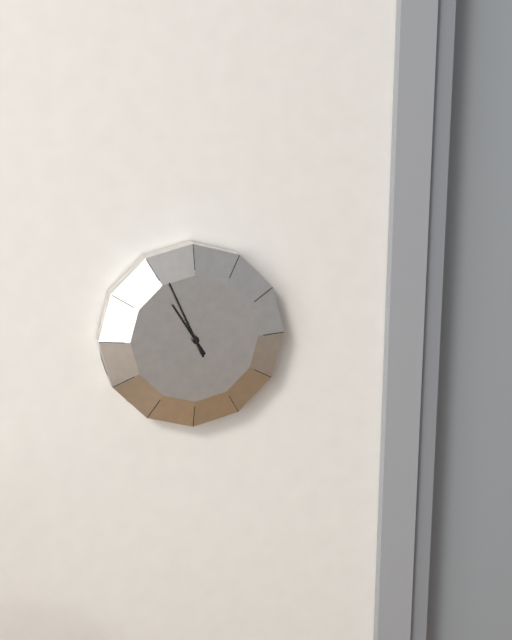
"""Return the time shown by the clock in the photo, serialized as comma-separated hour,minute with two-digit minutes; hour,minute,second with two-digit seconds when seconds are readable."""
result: 10,56
